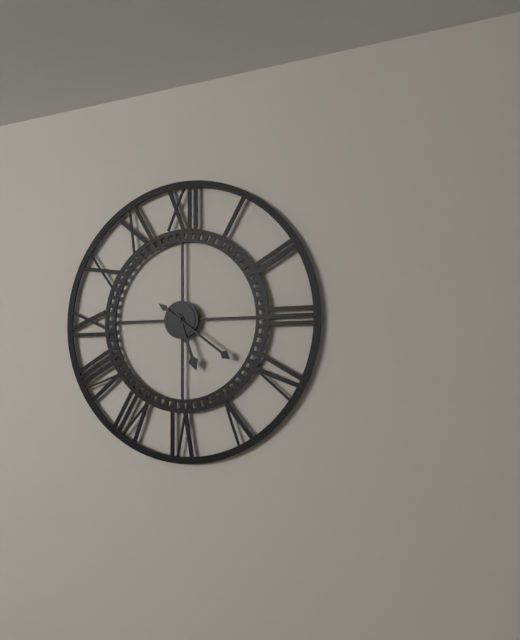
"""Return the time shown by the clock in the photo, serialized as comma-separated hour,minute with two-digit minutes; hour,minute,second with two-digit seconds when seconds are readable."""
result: 5,21
